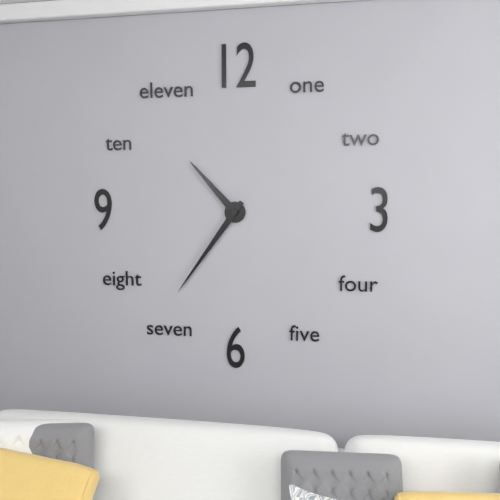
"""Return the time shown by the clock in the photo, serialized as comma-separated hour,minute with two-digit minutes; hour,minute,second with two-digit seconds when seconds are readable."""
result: 10,36
